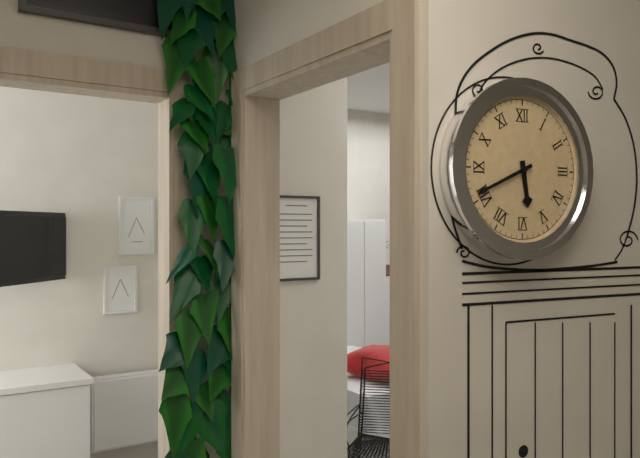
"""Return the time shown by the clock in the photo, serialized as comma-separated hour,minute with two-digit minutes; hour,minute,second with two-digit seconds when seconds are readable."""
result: 5,41
